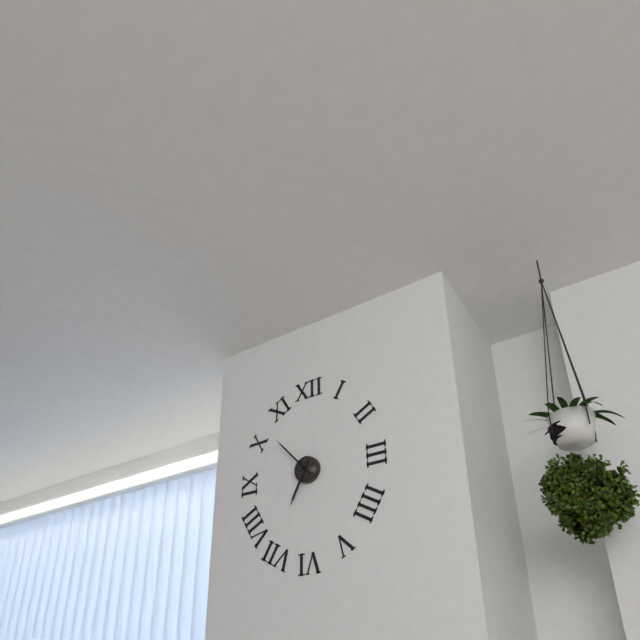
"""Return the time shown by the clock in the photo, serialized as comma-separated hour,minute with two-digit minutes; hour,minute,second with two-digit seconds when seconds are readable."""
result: 6,53
